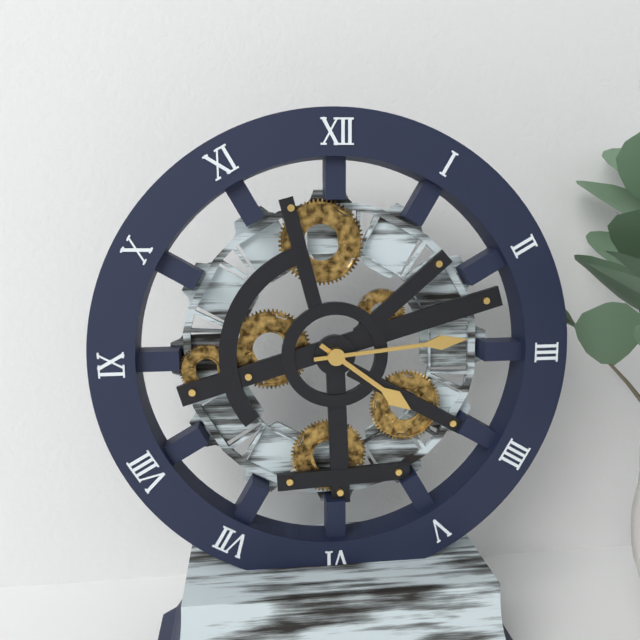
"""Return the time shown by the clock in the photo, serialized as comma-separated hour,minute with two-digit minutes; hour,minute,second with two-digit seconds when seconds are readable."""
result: 4,14
